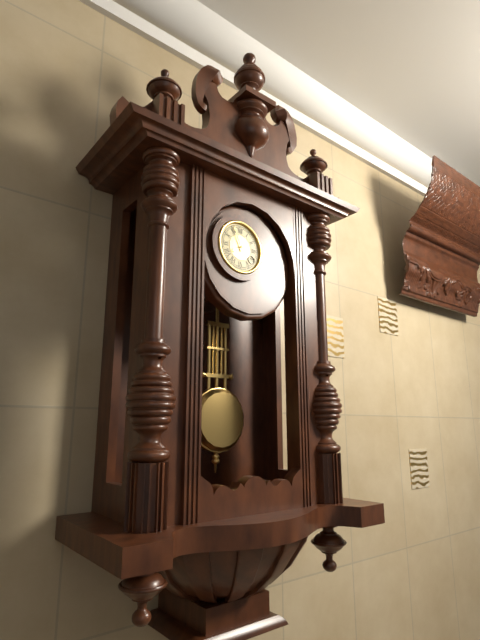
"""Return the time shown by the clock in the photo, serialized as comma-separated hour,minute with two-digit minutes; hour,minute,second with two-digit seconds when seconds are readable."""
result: 7,56
